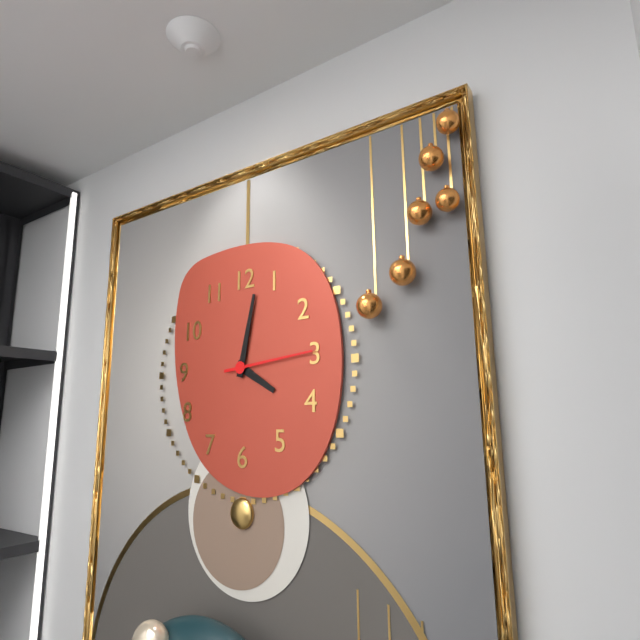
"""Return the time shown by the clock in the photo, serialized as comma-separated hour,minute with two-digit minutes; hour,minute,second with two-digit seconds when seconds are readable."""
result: 4,02,14
